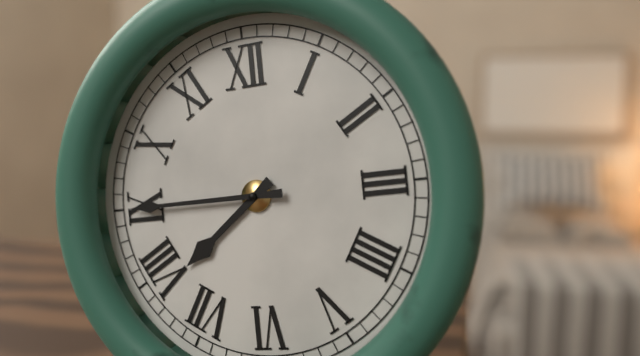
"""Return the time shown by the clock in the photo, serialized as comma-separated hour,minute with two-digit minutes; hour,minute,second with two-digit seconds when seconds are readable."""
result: 7,45
